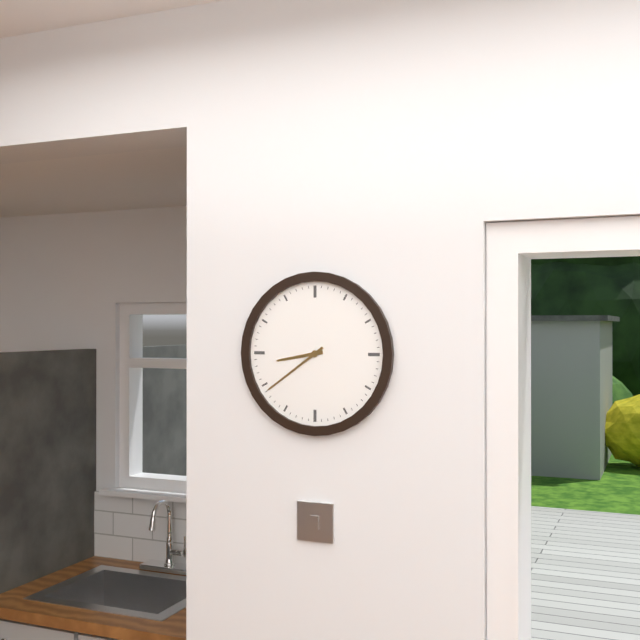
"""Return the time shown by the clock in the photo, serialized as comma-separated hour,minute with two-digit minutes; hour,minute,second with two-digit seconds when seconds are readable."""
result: 8,39
